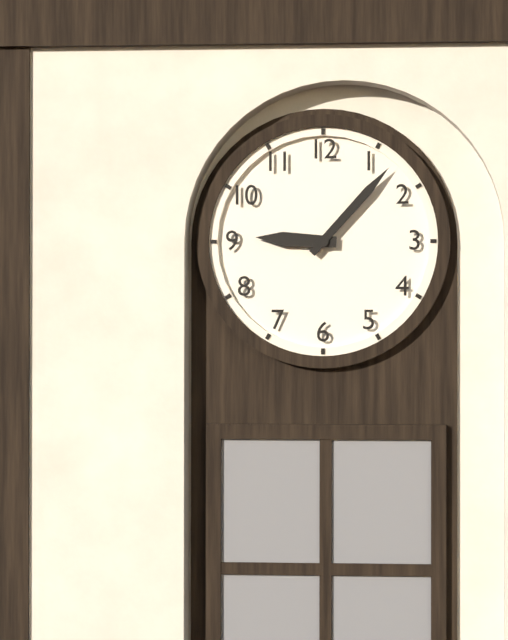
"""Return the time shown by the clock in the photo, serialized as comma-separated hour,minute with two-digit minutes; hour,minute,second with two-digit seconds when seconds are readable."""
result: 9,07
